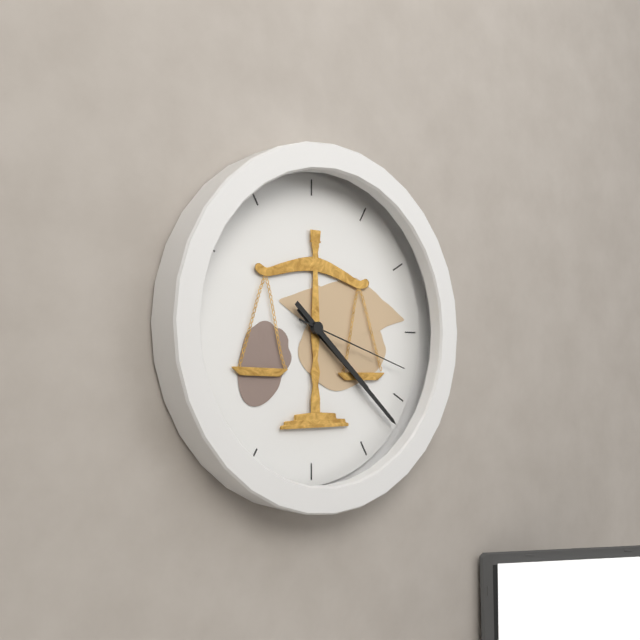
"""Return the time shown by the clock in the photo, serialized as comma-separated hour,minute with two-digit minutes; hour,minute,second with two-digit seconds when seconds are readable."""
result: 4,22,18
